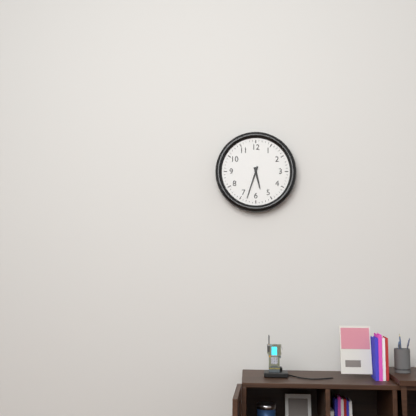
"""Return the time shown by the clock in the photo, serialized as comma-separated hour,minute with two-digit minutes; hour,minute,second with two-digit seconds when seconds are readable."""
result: 5,33
